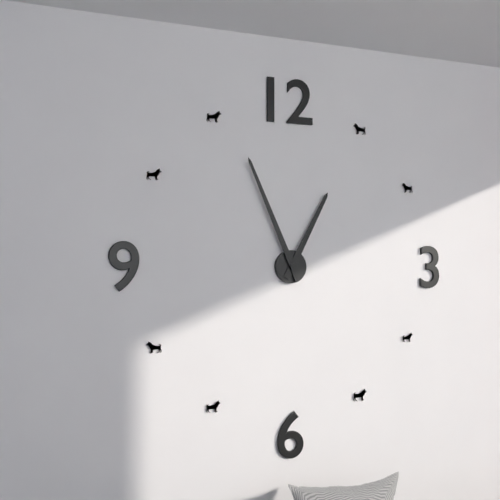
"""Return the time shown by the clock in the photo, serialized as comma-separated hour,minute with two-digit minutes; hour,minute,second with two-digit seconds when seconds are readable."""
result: 12,56
